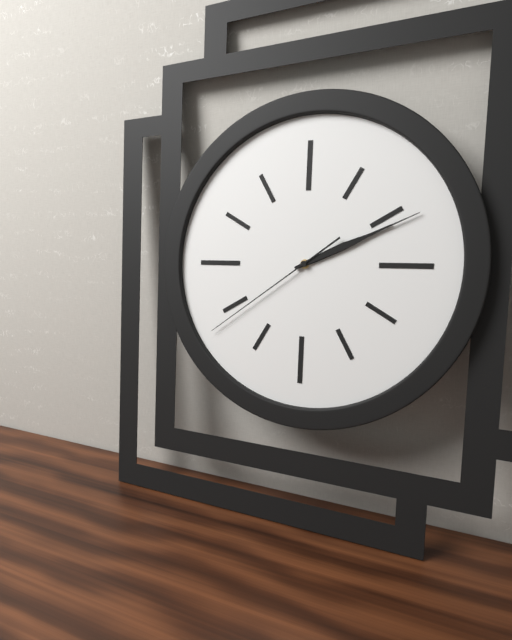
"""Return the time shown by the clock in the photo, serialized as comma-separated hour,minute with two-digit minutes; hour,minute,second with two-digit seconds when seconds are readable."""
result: 2,11,39
